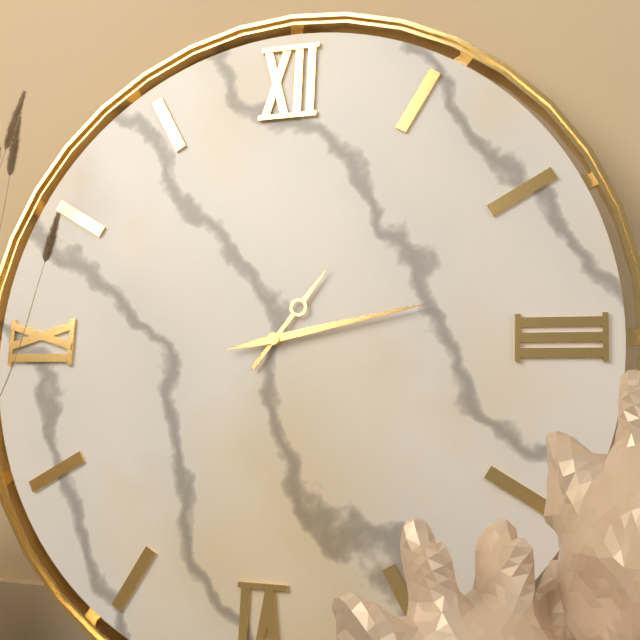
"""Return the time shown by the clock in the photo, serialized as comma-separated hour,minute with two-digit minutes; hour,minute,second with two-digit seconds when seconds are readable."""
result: 1,13
